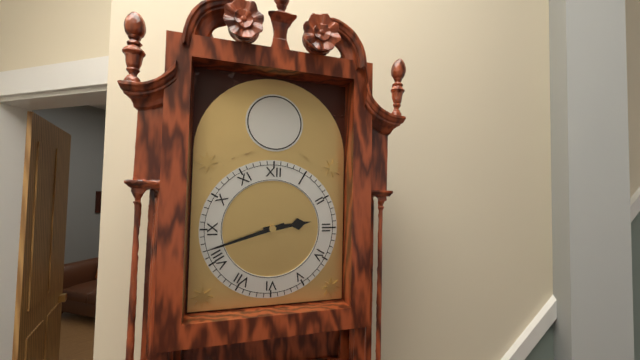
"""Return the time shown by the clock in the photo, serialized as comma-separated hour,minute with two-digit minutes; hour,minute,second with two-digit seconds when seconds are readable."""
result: 2,42
